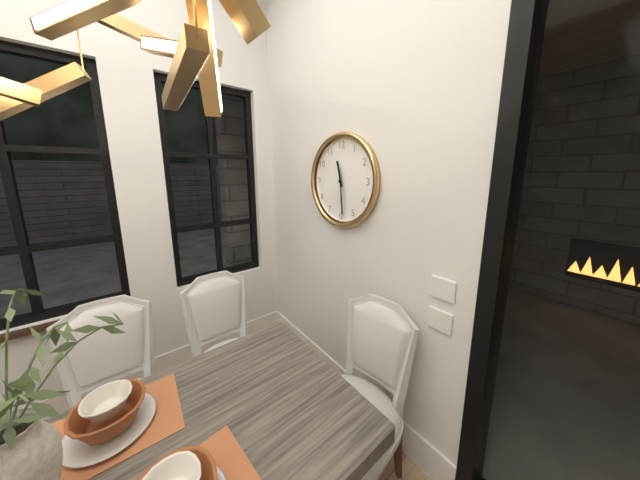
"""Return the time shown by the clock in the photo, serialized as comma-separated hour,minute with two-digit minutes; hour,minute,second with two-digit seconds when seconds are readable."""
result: 11,29
